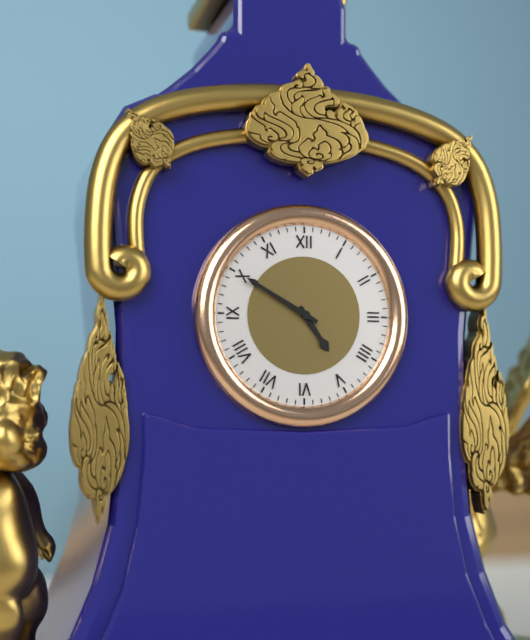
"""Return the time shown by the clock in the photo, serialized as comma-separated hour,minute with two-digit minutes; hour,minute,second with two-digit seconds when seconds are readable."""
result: 4,50
